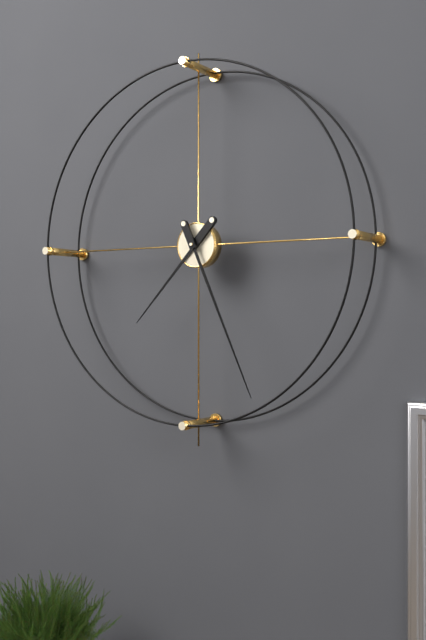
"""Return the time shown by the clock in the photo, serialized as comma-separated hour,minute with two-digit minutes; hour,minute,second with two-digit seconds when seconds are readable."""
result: 7,26
